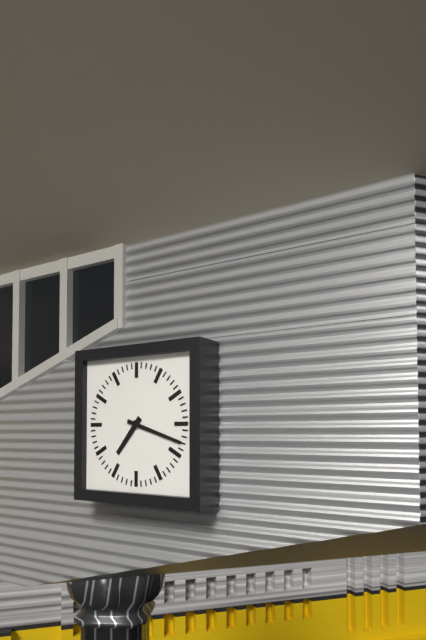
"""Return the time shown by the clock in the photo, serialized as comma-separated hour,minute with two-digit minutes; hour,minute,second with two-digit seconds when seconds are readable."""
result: 7,18
